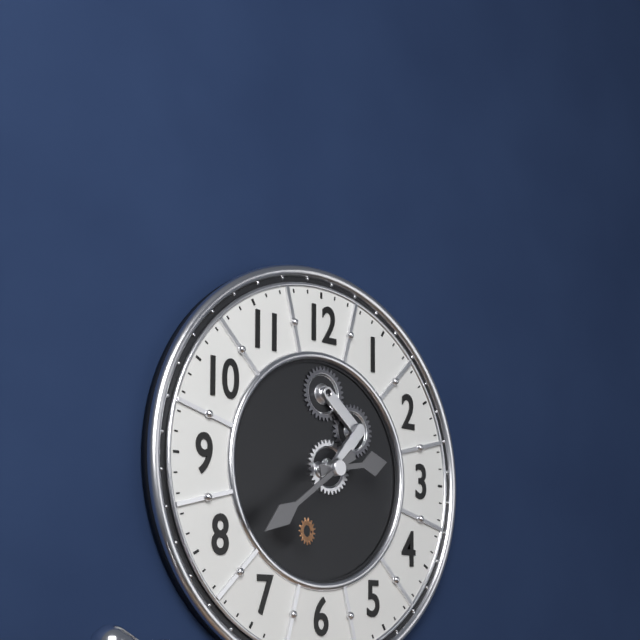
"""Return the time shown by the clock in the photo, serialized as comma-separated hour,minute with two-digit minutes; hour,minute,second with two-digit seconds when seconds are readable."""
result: 2,39
